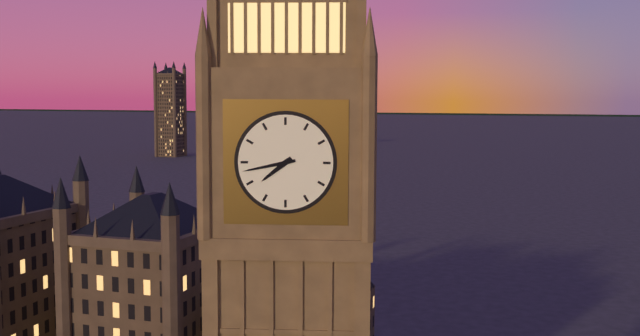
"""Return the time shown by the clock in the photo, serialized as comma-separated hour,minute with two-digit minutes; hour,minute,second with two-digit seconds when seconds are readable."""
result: 7,43
